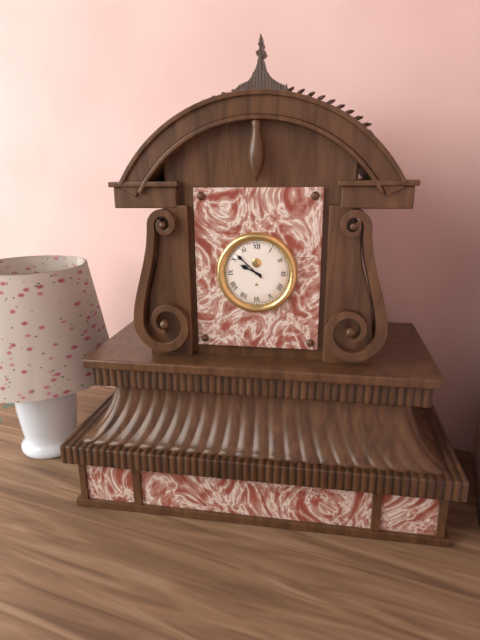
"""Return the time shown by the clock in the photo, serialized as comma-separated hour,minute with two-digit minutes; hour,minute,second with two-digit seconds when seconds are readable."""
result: 9,52
